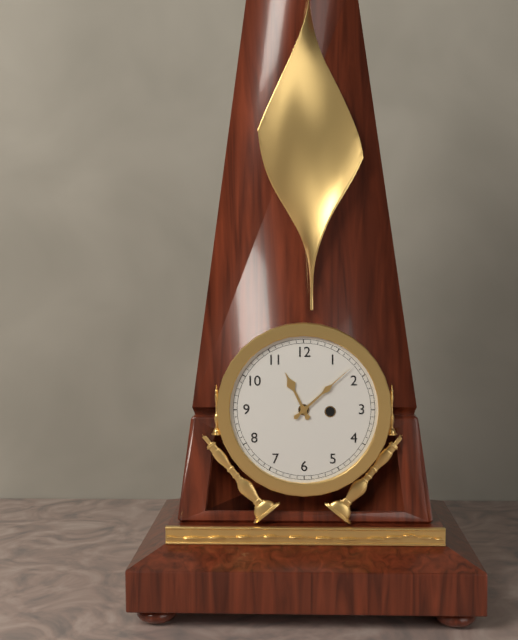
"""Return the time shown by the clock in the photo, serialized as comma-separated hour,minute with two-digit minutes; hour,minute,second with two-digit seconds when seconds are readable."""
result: 11,08
